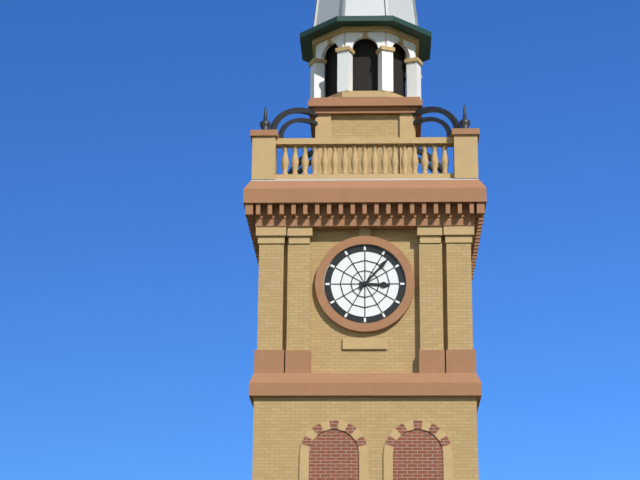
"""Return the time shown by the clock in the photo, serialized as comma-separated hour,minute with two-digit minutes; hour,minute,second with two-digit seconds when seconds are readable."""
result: 3,07
